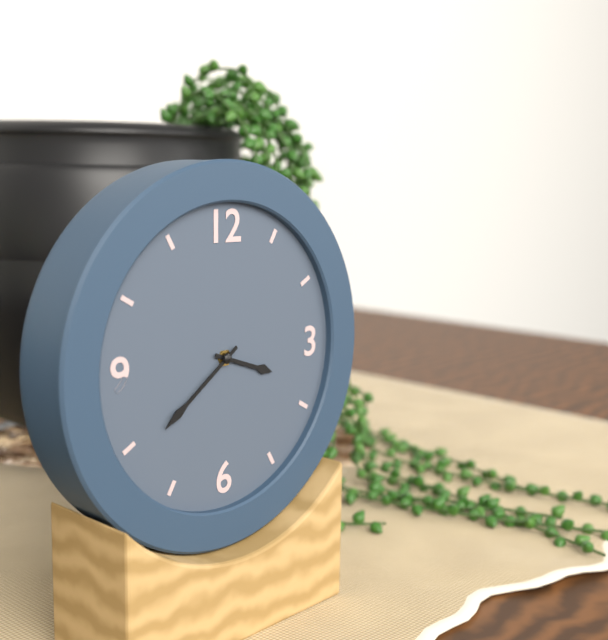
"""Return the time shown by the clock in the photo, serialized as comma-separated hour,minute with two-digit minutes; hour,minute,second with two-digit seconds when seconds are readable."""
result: 3,39
